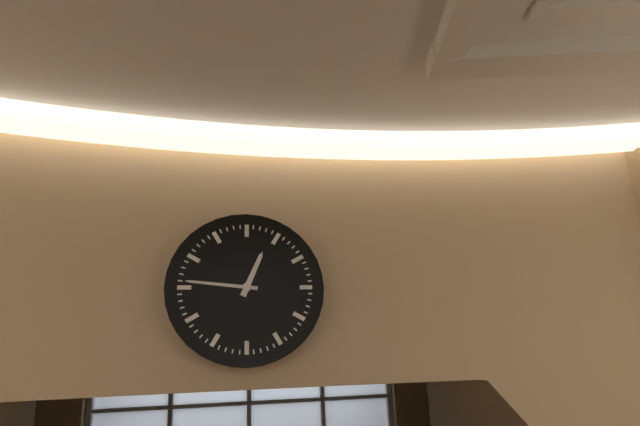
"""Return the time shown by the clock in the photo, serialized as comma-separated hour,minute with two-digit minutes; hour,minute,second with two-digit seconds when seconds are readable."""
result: 12,46
